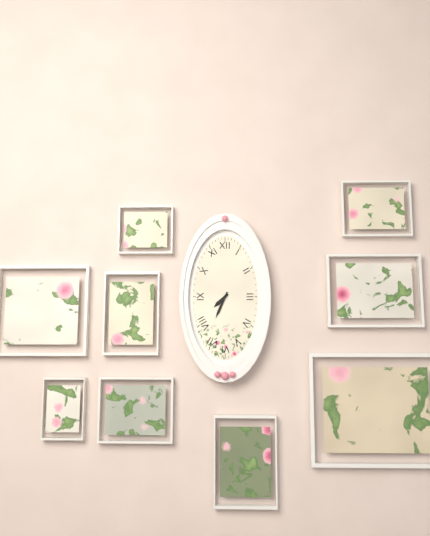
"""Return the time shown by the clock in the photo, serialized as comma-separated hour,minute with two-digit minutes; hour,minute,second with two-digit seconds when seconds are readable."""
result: 7,34
